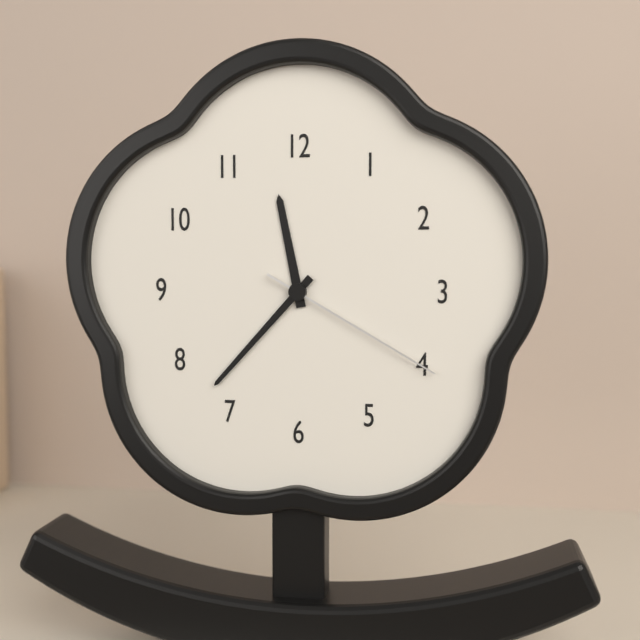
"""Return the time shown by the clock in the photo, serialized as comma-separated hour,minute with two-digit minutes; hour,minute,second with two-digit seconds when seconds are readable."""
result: 11,37,20
